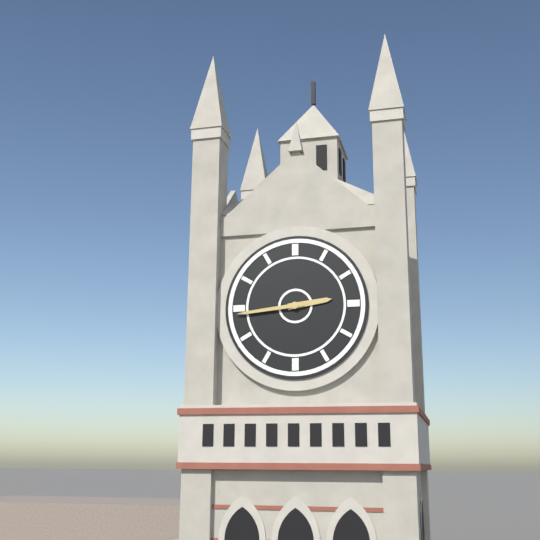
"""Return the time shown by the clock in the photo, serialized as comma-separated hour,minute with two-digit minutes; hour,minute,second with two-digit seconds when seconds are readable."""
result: 2,44
